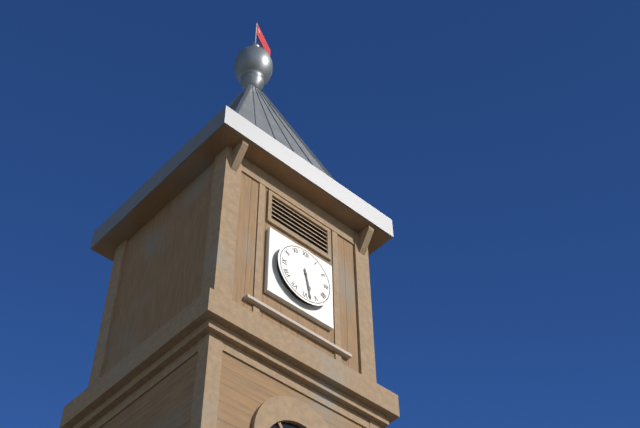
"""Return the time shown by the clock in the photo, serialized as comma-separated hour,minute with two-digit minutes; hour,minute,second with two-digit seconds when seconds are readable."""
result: 5,28
